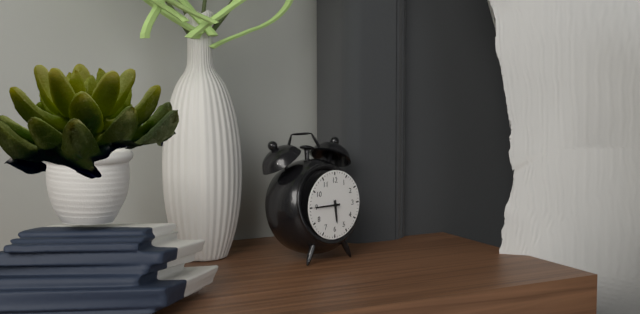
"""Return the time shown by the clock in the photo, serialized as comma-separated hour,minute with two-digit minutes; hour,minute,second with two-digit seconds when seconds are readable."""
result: 5,45
